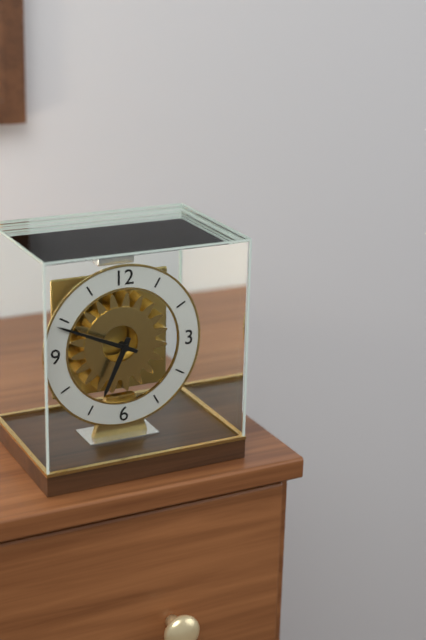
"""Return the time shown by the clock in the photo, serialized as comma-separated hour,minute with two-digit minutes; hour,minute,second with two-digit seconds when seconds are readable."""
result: 6,49
